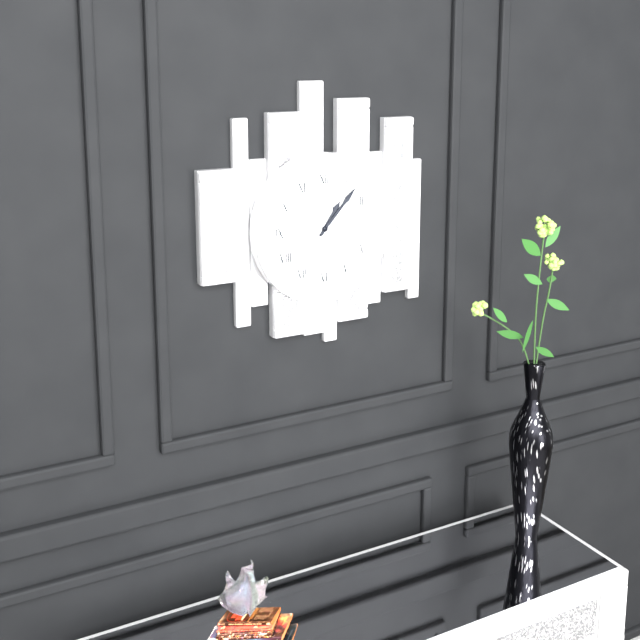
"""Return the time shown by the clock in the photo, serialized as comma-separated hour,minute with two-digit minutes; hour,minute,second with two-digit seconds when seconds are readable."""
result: 1,07
